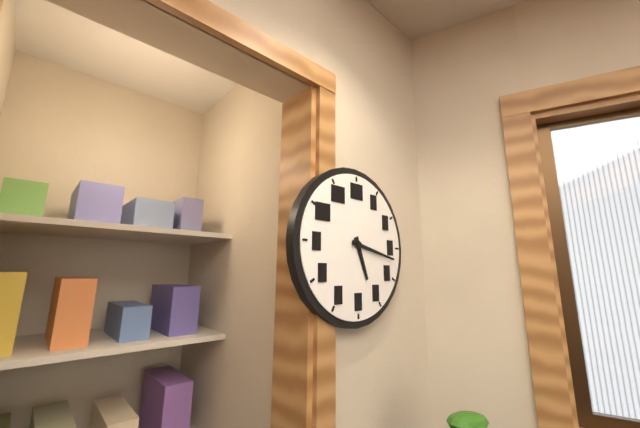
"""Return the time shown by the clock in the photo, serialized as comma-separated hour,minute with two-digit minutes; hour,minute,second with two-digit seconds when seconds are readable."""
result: 5,17
